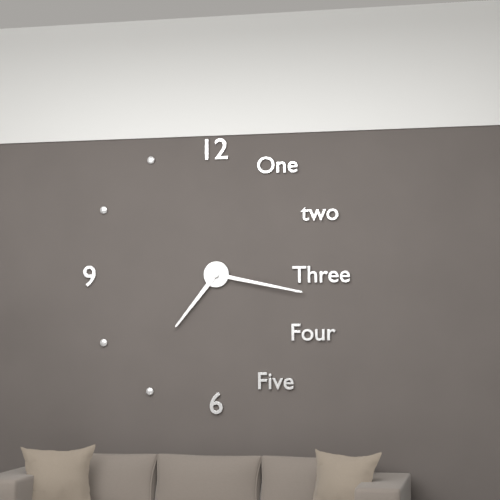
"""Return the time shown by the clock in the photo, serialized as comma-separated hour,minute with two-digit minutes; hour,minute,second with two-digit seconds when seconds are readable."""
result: 7,17
